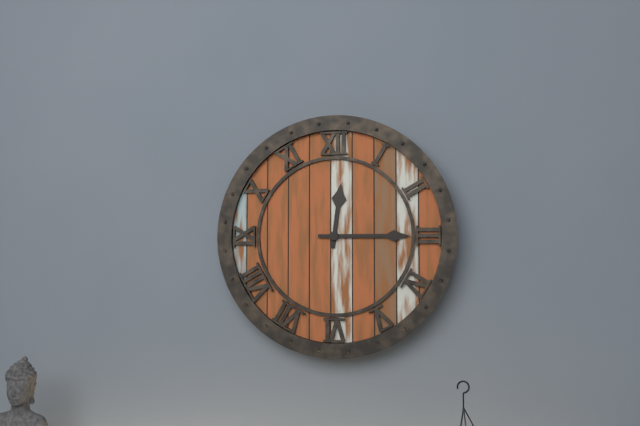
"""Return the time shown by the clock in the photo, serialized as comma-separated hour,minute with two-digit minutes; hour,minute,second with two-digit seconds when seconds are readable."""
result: 12,15
